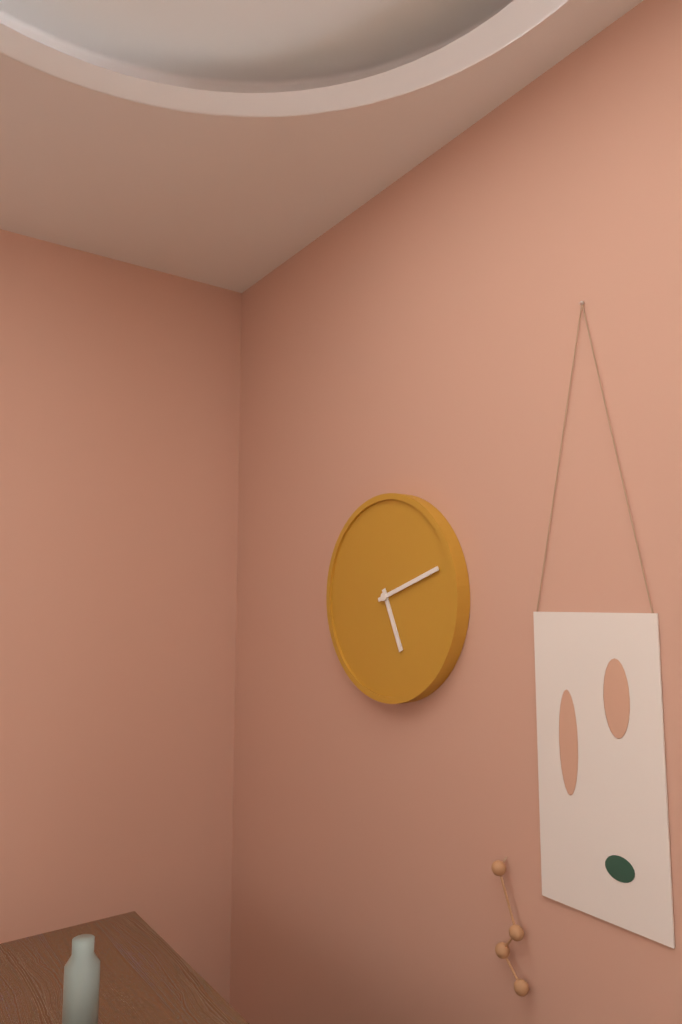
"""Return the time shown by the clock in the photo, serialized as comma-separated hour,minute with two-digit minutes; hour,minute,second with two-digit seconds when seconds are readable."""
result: 5,12
